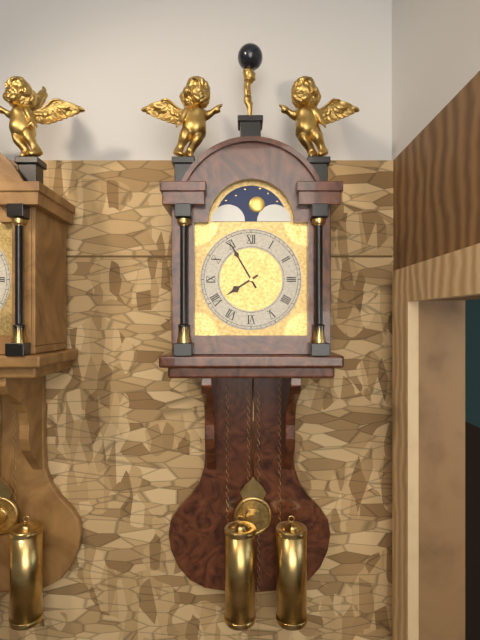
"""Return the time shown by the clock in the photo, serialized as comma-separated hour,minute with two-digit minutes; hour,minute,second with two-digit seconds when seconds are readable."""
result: 7,55
